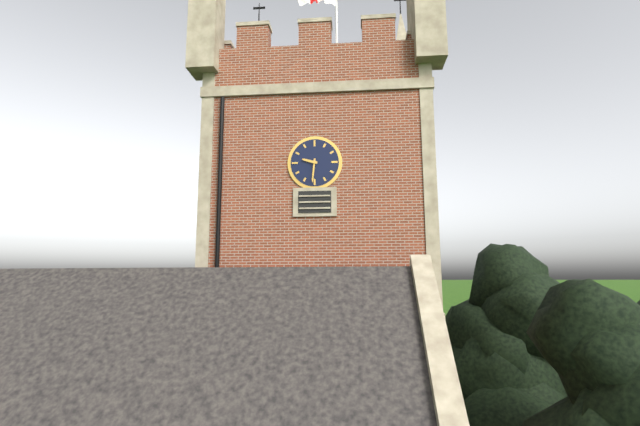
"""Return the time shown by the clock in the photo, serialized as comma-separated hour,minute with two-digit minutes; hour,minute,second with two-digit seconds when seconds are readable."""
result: 9,31
